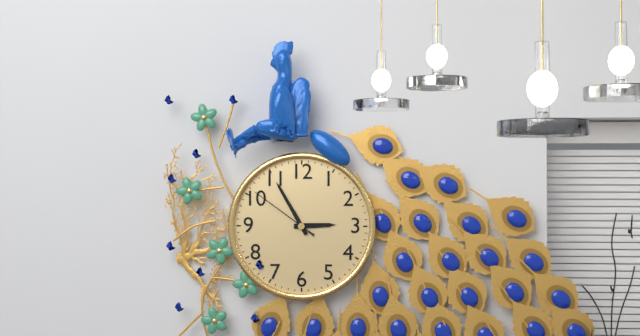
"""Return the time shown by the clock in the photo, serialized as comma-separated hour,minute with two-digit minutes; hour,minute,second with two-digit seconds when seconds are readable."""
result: 2,55,51
